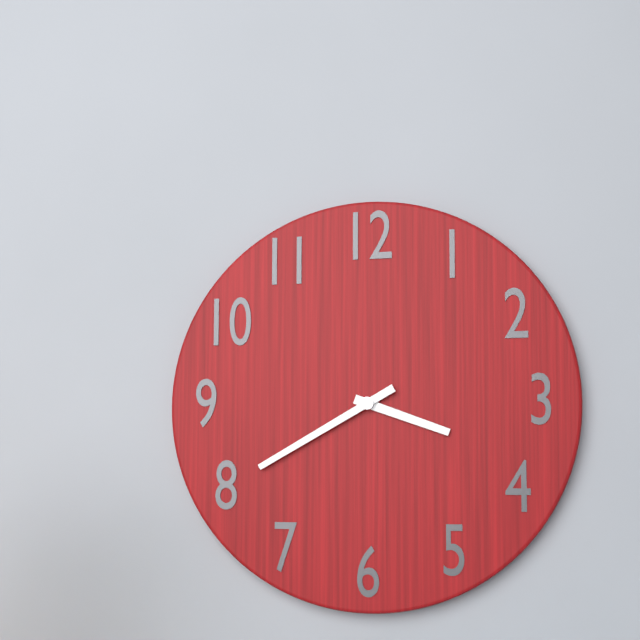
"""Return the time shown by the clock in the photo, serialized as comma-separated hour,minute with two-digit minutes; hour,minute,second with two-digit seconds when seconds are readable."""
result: 3,40
